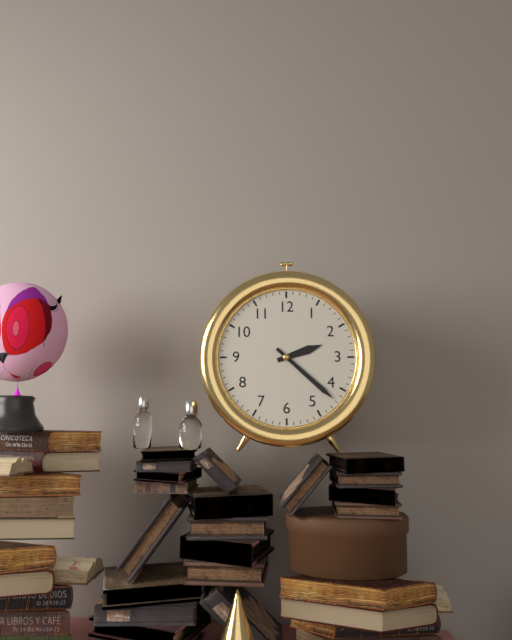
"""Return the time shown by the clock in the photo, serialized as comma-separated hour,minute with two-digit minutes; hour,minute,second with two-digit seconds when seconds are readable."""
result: 2,22
